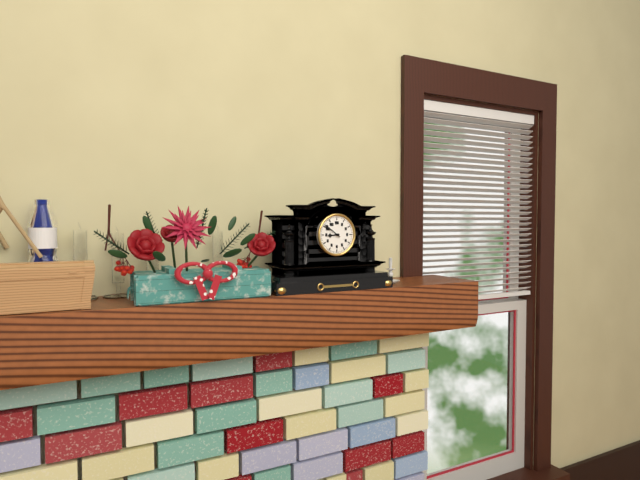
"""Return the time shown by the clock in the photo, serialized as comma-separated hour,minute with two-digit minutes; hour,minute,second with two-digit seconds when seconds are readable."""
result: 8,51
